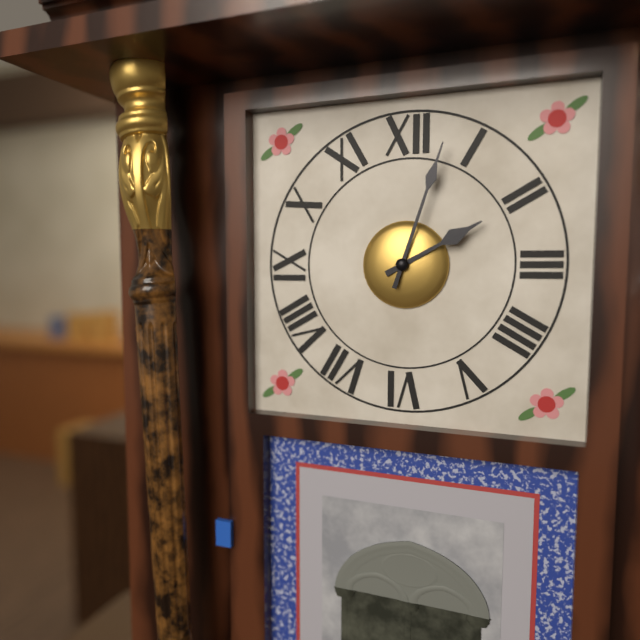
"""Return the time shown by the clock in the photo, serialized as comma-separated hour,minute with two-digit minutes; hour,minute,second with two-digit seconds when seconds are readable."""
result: 2,03
